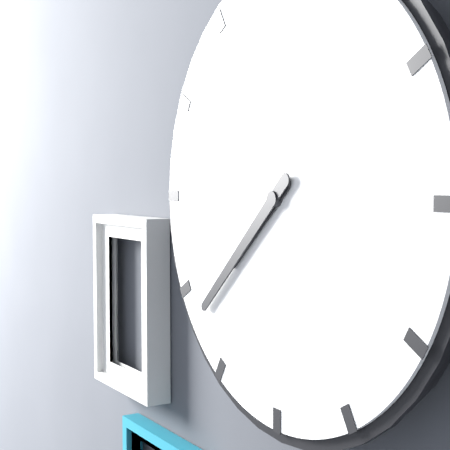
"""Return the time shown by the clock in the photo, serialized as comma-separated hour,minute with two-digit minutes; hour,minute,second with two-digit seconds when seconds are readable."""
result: 7,38
